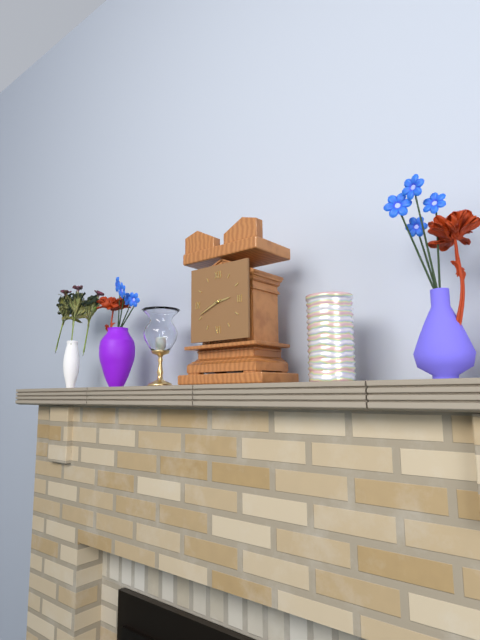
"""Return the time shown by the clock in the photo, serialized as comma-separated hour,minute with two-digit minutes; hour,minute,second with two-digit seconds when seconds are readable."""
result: 2,41
